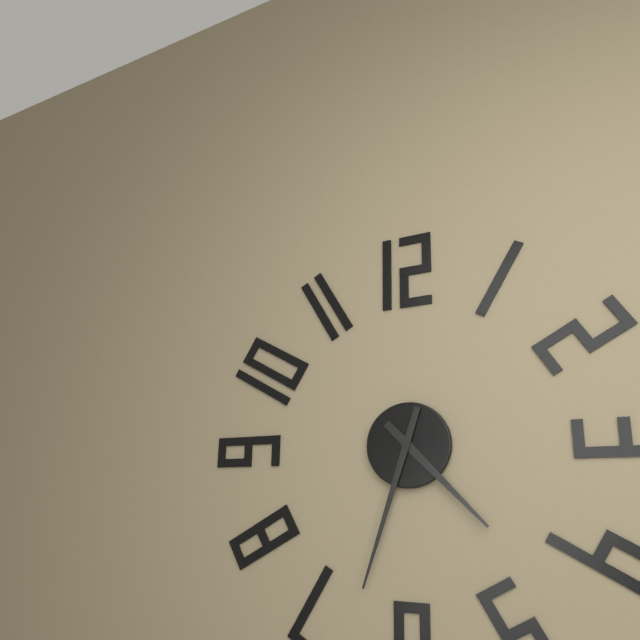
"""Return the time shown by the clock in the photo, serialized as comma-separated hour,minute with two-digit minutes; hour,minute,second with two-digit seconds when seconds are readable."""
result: 4,33
